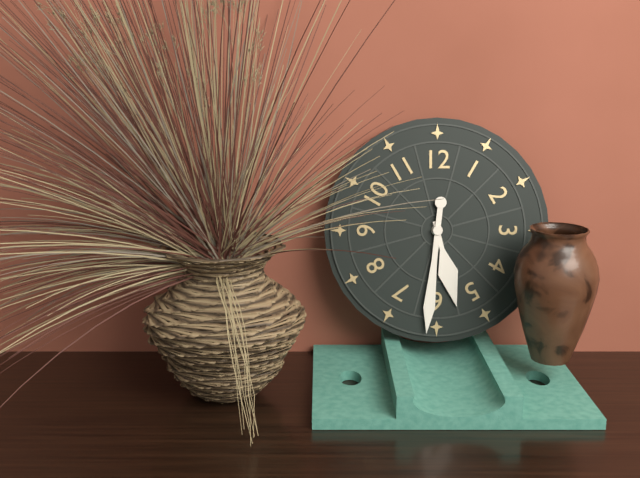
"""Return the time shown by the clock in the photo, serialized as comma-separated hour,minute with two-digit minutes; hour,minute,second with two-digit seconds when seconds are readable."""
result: 5,31
